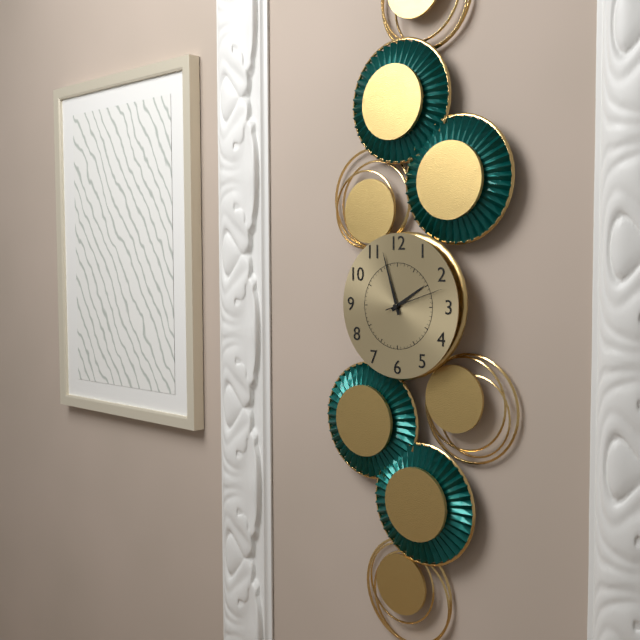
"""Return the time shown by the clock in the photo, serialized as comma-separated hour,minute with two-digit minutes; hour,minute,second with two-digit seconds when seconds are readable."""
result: 1,57,12
